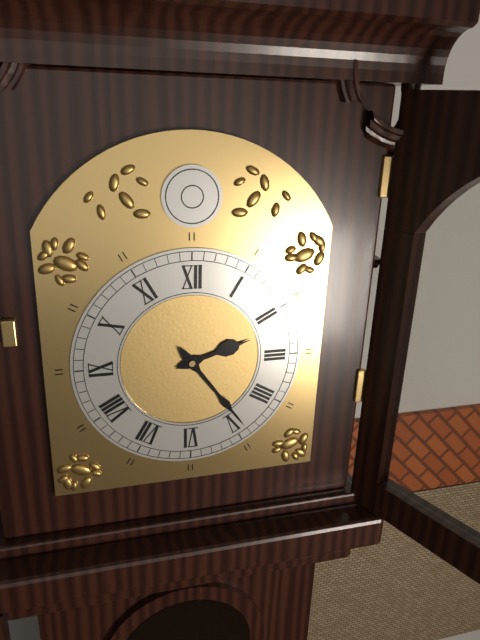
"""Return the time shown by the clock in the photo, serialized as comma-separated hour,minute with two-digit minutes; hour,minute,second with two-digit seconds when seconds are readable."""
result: 2,24
